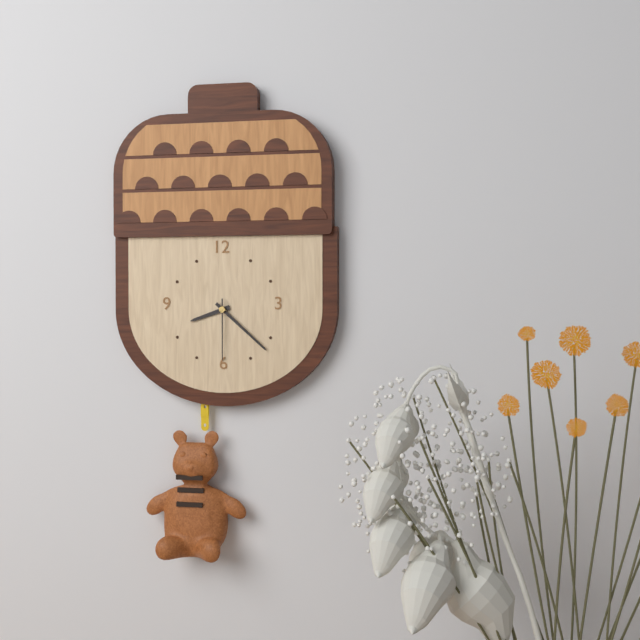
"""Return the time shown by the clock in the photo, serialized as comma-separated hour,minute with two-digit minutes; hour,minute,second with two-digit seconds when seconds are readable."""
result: 8,22,30
